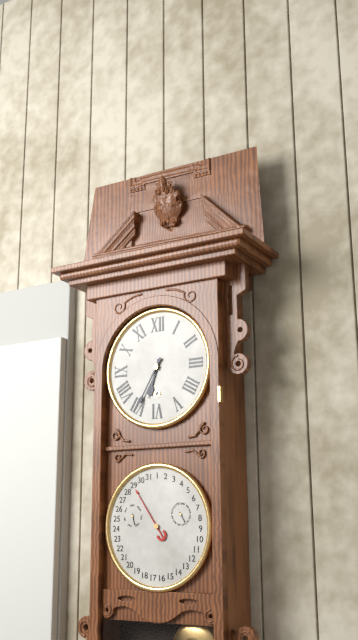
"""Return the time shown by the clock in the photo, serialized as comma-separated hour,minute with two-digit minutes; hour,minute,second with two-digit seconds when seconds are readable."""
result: 6,35
